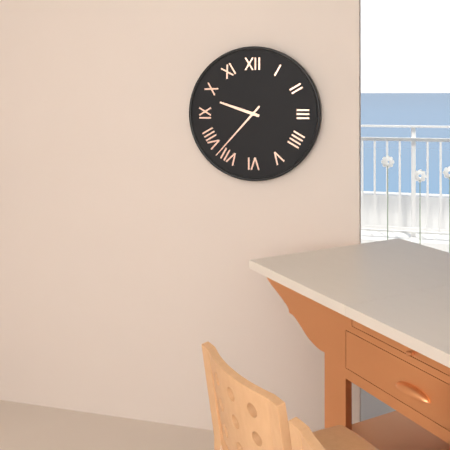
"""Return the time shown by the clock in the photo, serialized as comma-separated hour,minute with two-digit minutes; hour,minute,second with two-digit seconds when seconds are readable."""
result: 9,37
